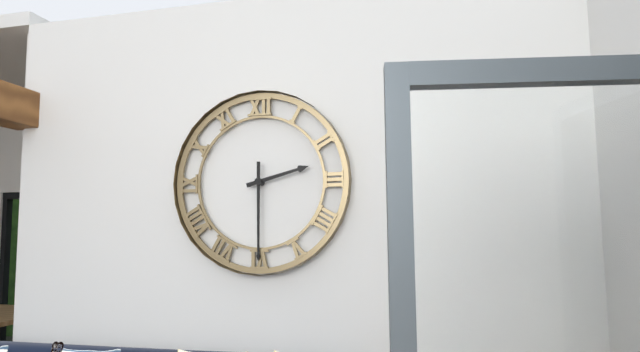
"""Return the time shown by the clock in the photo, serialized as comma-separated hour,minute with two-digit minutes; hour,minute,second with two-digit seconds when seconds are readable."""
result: 2,30
